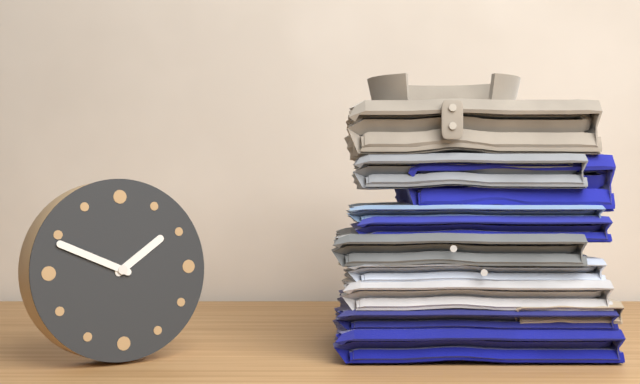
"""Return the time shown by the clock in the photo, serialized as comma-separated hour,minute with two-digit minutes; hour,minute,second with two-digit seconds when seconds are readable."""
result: 1,49
